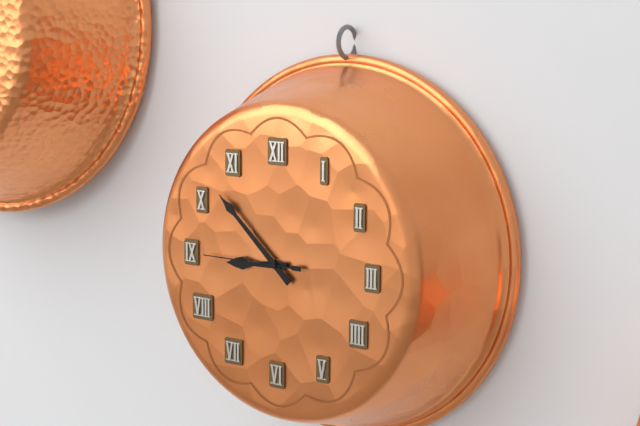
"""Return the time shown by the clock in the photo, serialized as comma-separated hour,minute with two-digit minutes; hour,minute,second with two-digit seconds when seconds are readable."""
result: 8,52,45
